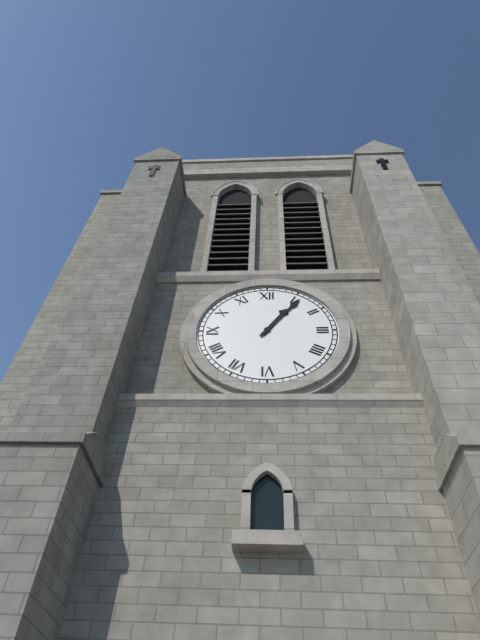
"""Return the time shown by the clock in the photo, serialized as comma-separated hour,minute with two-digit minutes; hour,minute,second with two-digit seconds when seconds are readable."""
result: 1,06
